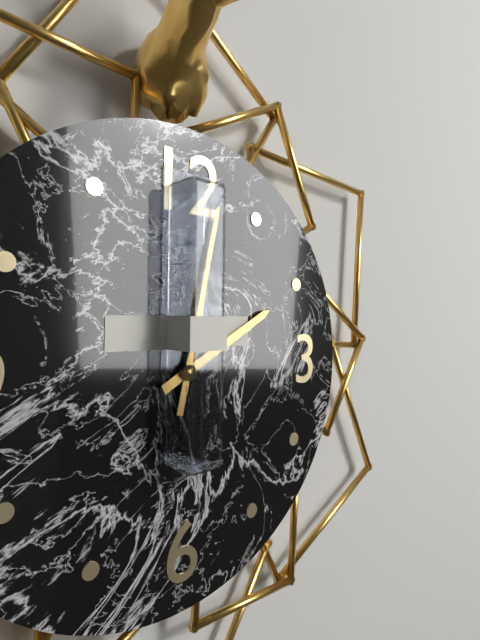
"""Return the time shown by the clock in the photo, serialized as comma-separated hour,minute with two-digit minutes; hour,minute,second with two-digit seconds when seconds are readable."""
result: 2,02
